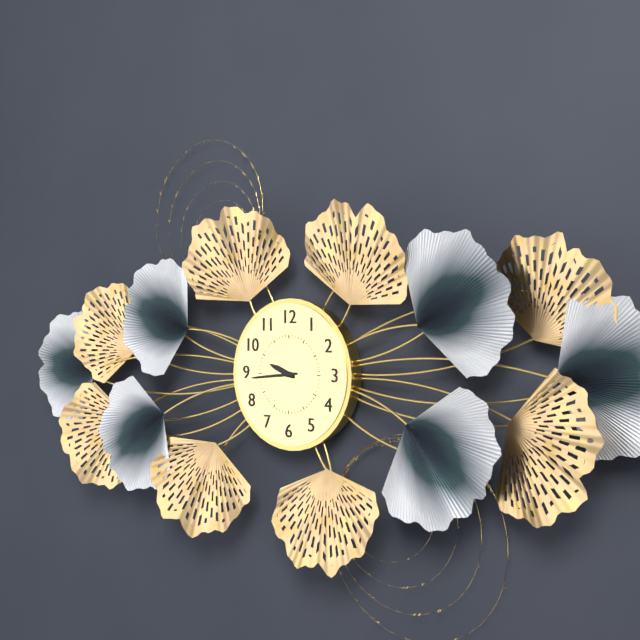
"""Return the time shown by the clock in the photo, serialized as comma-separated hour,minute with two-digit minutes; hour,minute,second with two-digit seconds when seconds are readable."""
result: 9,44
